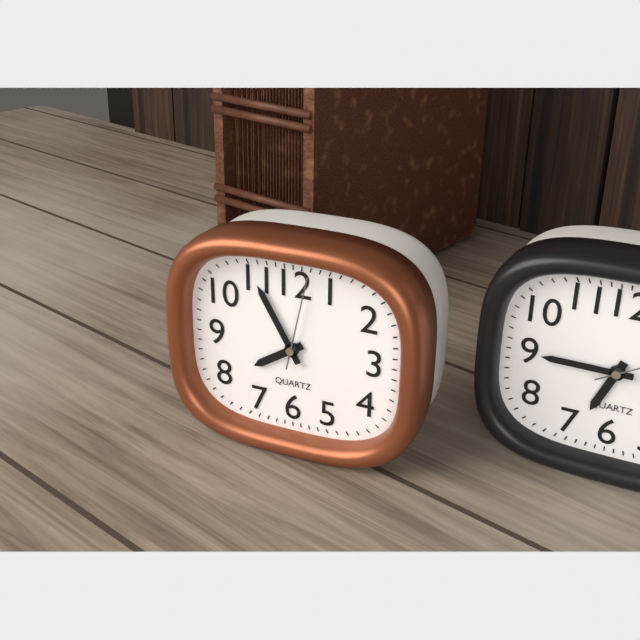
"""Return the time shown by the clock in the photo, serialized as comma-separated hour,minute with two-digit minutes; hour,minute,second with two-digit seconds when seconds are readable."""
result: 7,55,02
